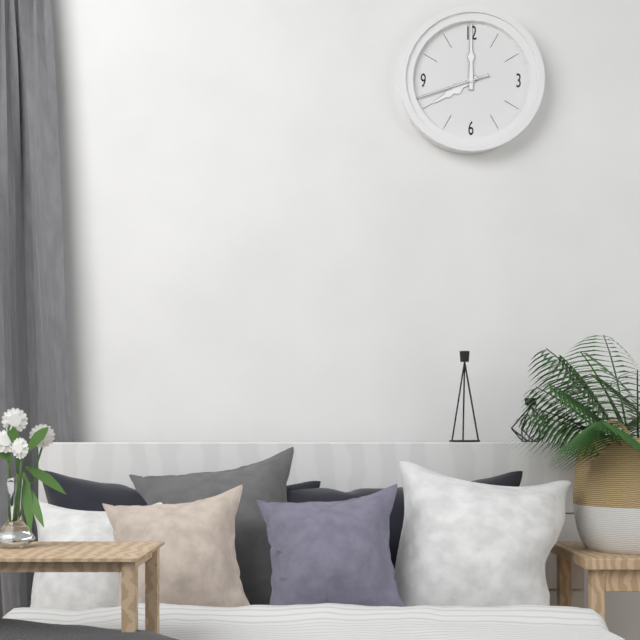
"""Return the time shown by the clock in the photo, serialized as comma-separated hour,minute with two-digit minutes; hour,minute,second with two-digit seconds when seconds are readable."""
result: 8,00,42
